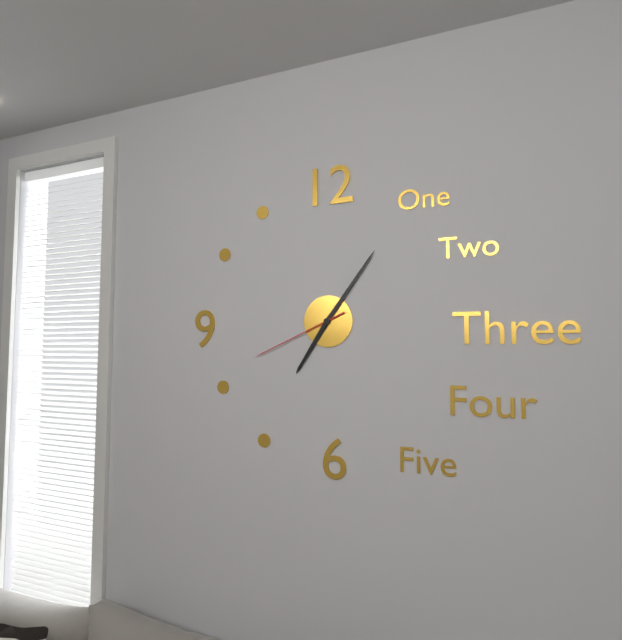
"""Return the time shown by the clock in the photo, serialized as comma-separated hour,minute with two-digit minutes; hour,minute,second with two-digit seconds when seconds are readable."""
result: 7,06,41
